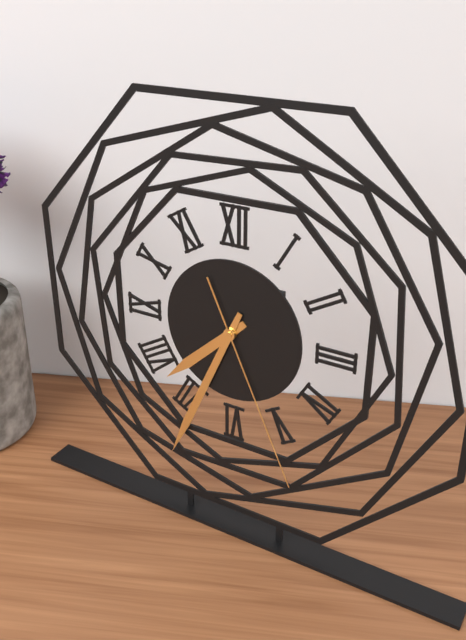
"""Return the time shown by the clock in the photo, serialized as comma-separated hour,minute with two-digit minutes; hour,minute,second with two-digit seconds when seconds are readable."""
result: 7,34,26
